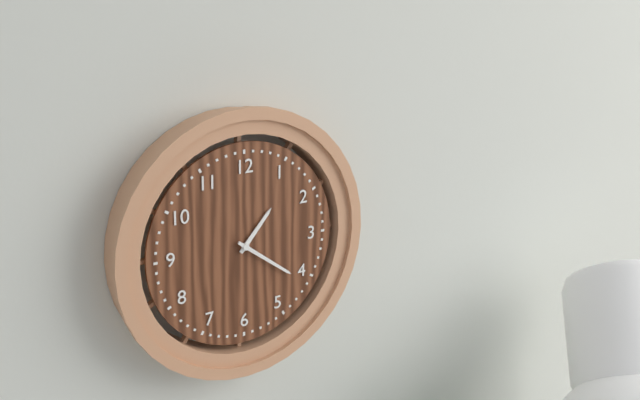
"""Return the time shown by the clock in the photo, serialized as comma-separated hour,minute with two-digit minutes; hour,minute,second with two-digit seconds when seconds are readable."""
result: 1,21
